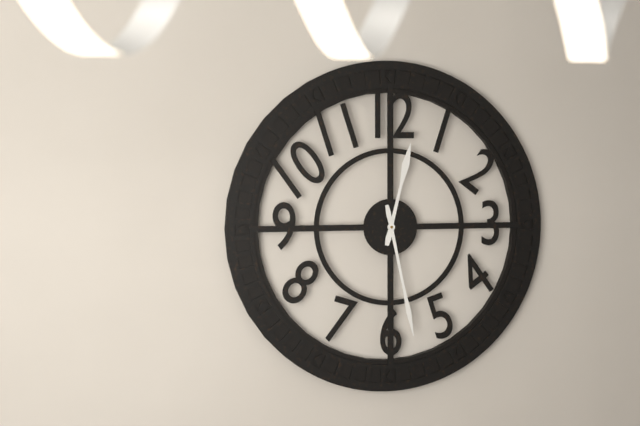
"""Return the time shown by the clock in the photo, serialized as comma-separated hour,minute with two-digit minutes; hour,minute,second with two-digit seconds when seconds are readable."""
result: 12,28
